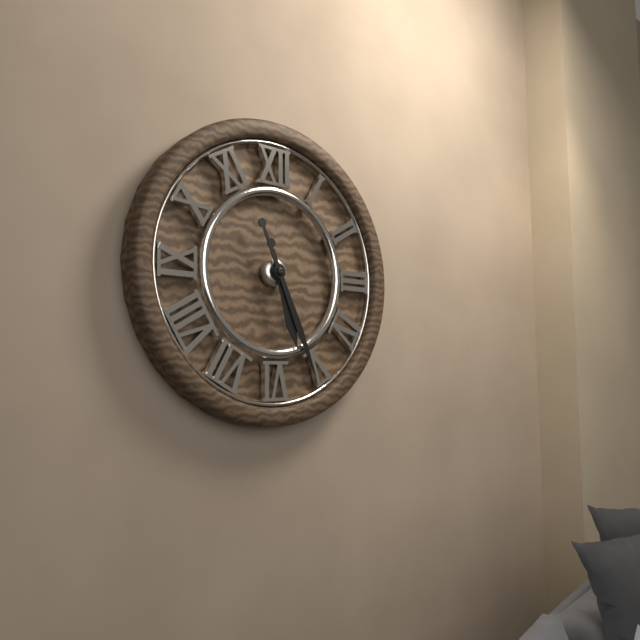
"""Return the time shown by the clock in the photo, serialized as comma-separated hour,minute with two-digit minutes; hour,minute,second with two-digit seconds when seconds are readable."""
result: 5,26
